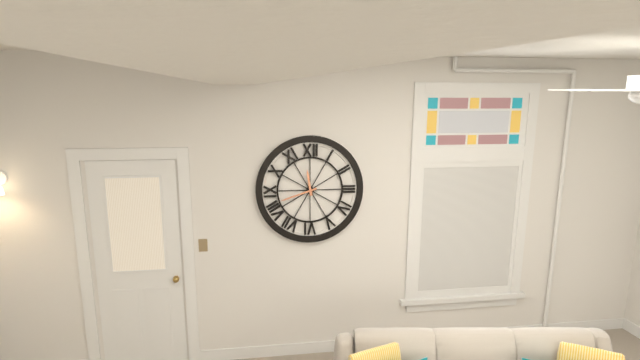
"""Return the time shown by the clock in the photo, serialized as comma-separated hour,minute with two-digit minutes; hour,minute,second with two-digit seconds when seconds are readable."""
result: 11,42
